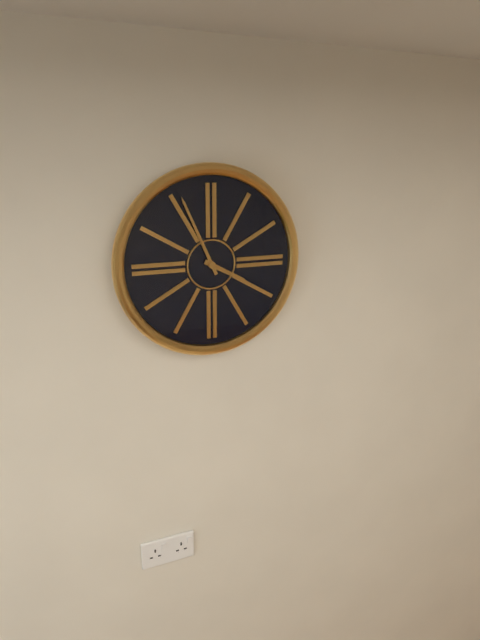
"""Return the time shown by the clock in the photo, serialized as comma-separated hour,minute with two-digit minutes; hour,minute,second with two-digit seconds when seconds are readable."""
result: 3,56
